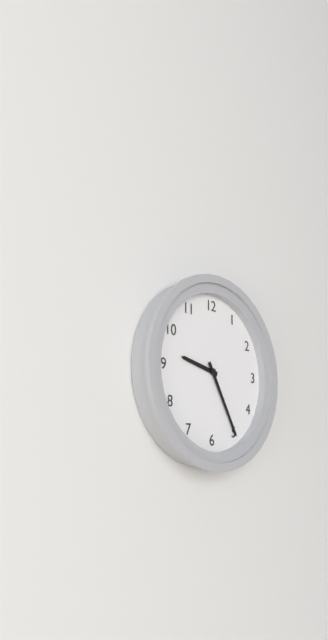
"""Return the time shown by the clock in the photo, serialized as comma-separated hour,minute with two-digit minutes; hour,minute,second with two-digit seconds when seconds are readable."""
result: 9,25
